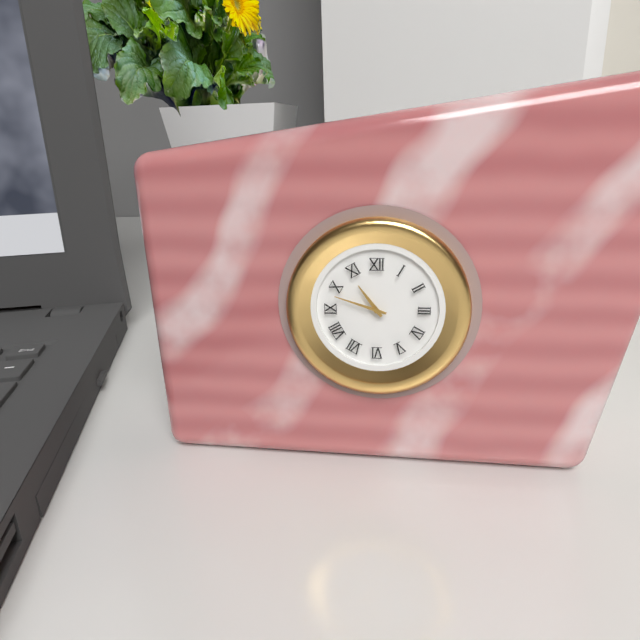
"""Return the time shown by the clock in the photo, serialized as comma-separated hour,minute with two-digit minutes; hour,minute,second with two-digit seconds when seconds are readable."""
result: 10,48
